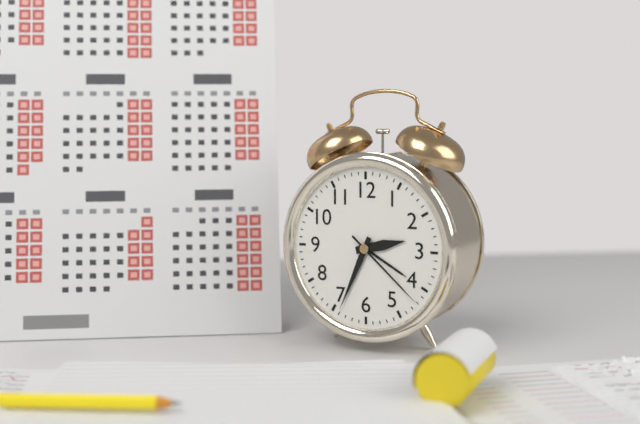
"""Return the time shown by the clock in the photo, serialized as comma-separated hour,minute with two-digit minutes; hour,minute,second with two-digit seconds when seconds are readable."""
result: 2,34,22
